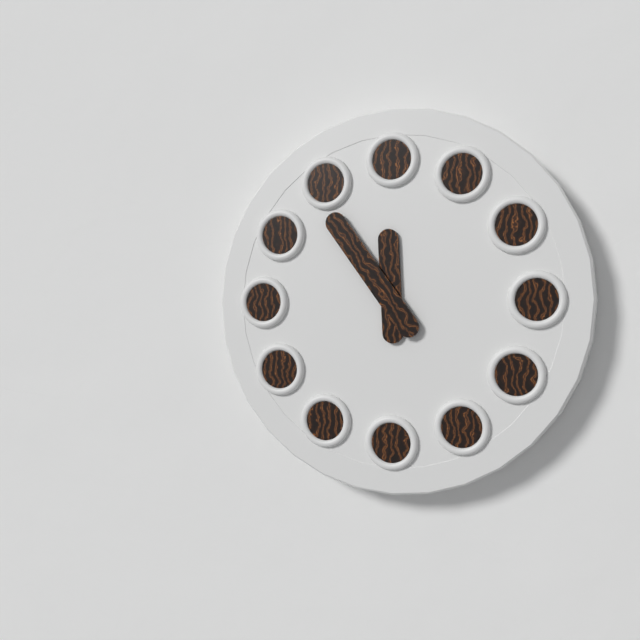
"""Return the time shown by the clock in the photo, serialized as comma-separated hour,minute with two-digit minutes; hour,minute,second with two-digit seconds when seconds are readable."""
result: 11,54
